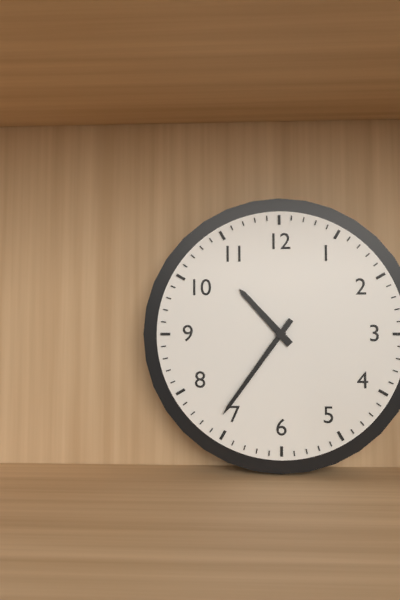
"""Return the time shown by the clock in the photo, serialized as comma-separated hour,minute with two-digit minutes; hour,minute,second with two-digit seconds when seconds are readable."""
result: 10,36
